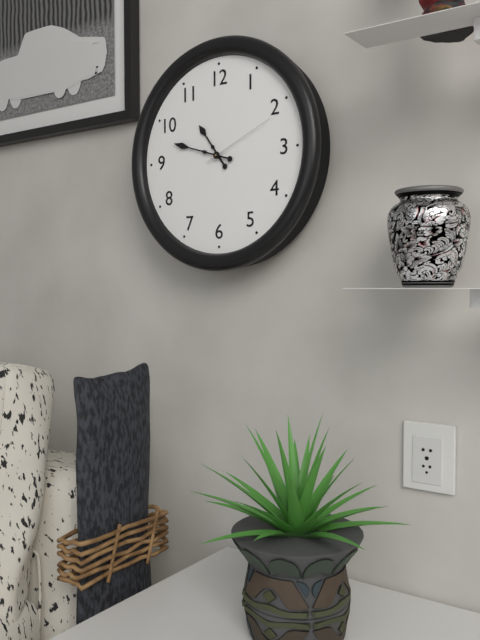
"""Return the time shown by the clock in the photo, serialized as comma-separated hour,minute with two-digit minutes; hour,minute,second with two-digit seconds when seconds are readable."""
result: 10,48,11
